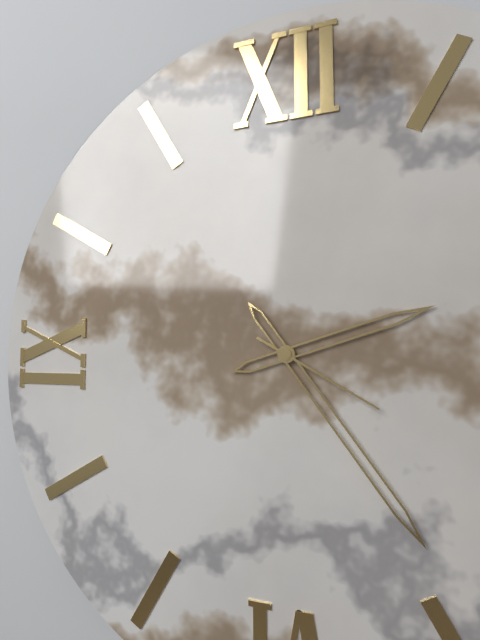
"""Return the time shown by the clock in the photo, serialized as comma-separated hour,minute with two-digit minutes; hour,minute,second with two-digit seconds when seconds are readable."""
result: 2,24,20
